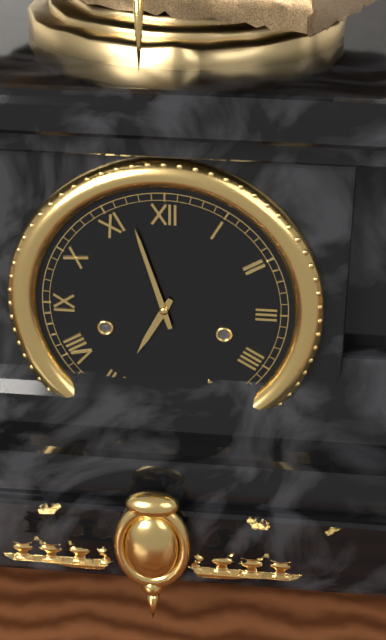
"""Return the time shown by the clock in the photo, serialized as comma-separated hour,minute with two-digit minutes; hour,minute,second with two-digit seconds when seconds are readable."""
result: 6,57
